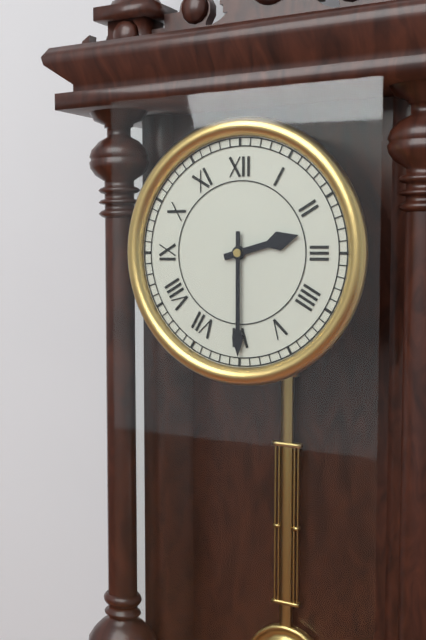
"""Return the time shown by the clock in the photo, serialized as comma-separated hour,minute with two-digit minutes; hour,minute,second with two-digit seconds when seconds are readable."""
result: 2,30
